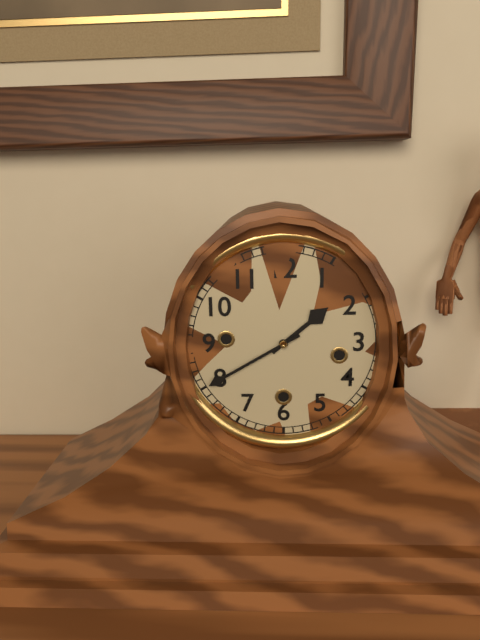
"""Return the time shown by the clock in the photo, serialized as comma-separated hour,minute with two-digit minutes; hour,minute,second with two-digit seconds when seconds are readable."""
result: 1,40
